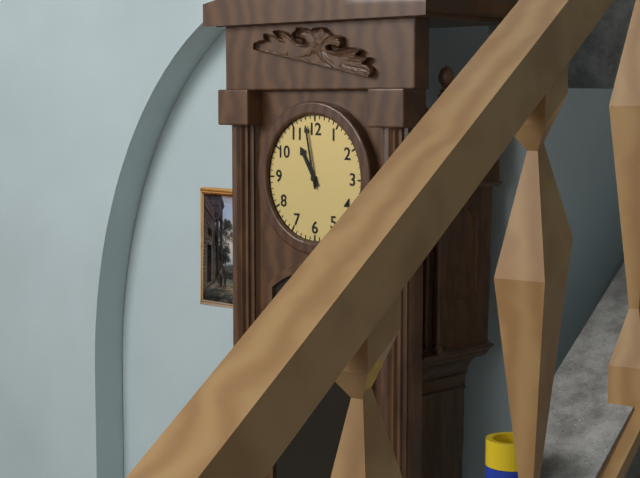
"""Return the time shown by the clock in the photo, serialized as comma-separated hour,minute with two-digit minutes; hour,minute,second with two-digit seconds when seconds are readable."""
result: 10,58
